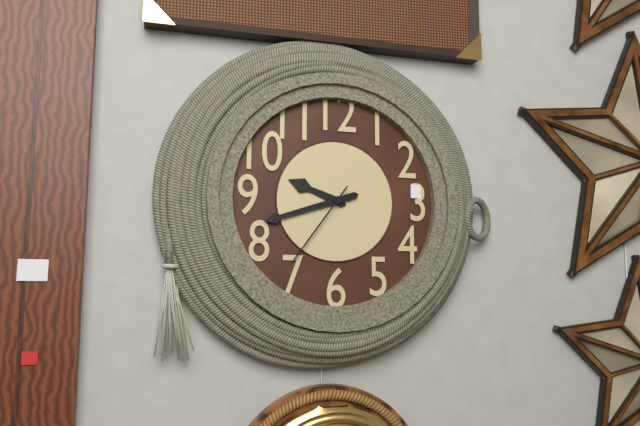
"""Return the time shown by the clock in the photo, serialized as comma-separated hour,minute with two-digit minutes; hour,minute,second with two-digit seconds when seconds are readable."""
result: 9,42,36
